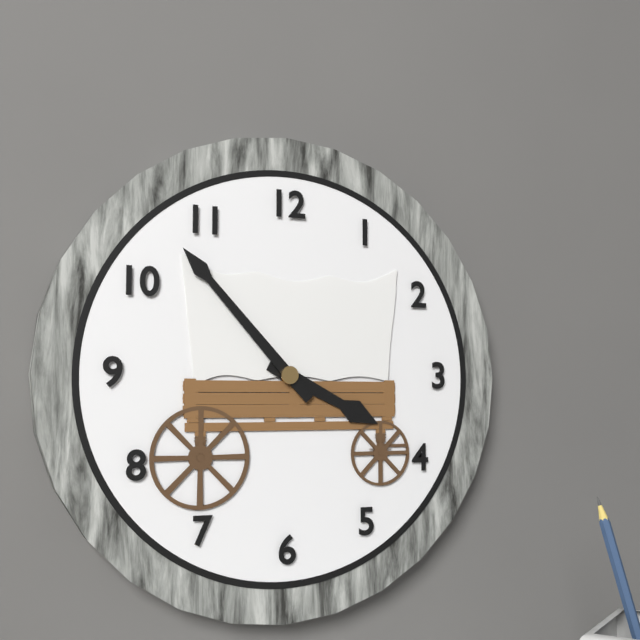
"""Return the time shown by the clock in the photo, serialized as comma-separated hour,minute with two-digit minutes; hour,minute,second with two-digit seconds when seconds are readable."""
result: 3,53
